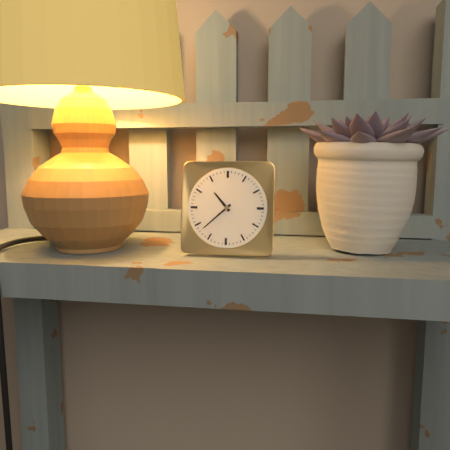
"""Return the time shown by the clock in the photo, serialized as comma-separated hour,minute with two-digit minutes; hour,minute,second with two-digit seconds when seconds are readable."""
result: 10,38
